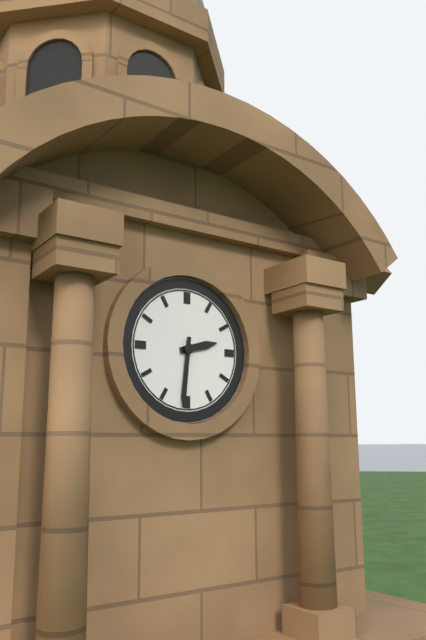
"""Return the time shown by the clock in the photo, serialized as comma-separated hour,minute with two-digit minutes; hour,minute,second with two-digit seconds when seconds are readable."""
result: 2,31
